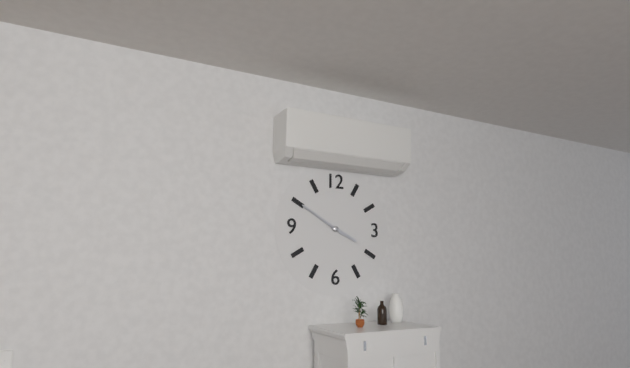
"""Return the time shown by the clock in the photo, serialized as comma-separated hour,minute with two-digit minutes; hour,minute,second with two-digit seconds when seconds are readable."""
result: 3,50
